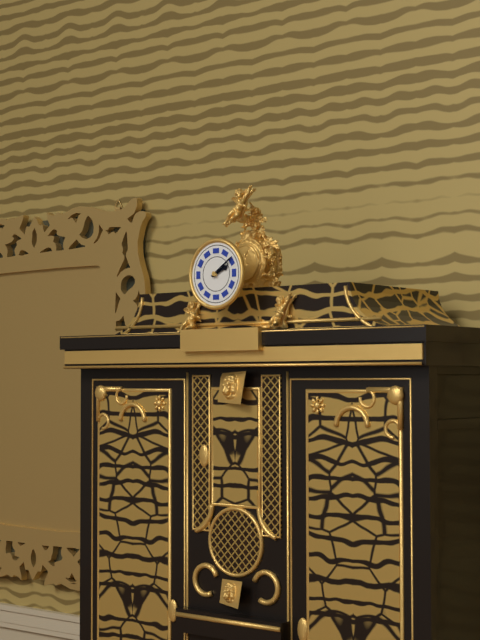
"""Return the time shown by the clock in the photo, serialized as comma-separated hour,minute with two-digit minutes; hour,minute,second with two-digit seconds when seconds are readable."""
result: 2,09
